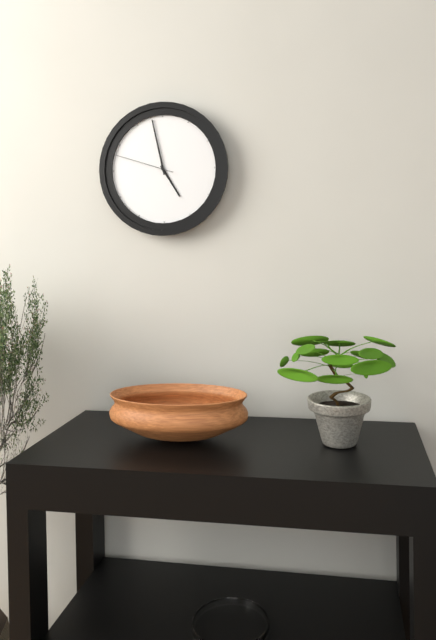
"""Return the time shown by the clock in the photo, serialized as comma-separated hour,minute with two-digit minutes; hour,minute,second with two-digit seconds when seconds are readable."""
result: 4,58,48
